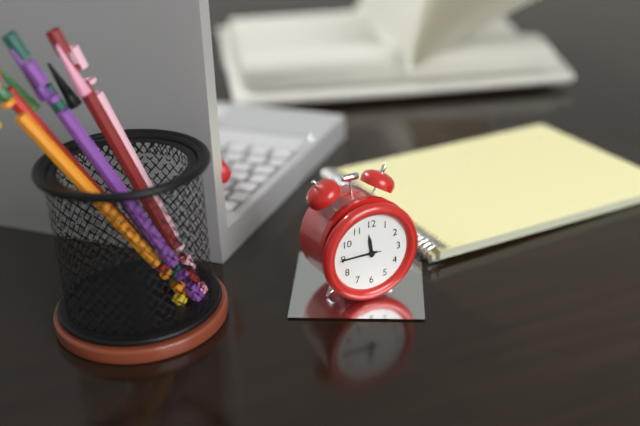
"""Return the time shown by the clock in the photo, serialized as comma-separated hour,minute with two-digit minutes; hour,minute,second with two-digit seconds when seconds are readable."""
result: 11,45
